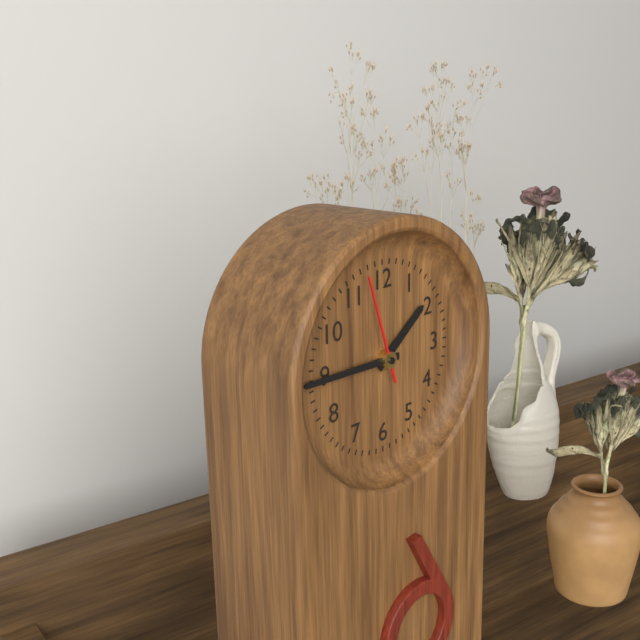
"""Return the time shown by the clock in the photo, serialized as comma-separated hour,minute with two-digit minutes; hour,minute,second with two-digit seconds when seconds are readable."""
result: 1,45,57
